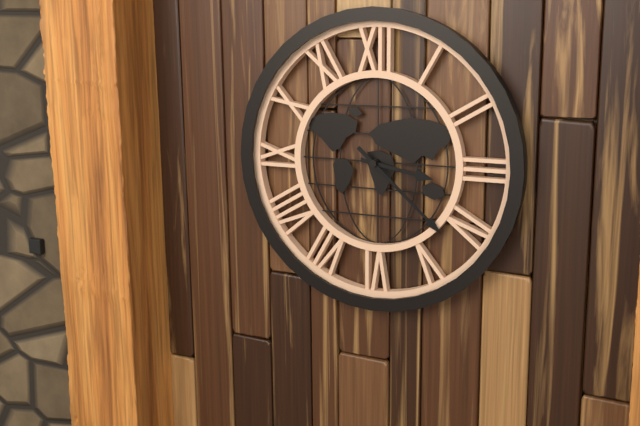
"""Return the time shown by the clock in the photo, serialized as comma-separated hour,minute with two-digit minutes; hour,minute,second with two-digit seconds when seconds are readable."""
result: 3,22
